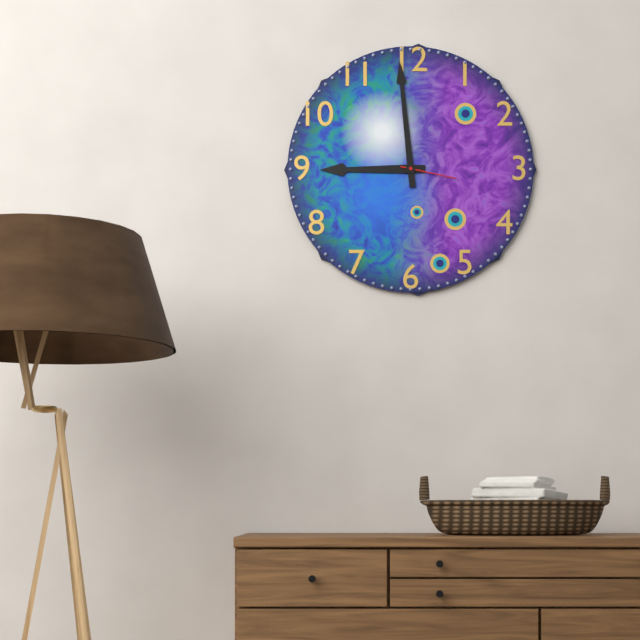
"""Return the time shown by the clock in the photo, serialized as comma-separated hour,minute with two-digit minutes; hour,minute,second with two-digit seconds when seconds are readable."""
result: 8,59,17
